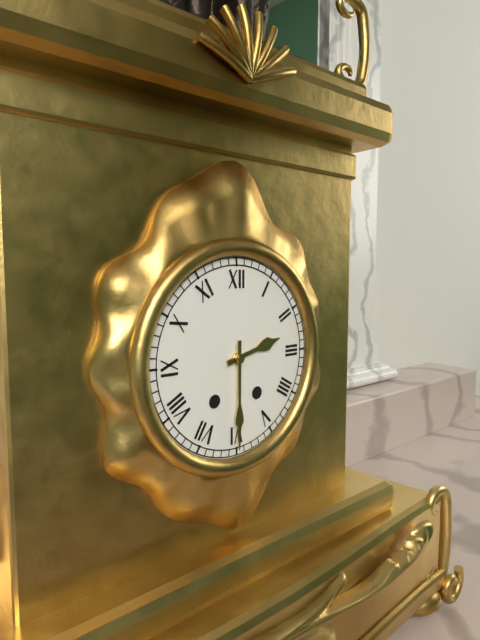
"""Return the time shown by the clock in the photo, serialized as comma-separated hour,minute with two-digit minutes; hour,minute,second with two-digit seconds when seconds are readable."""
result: 2,30
